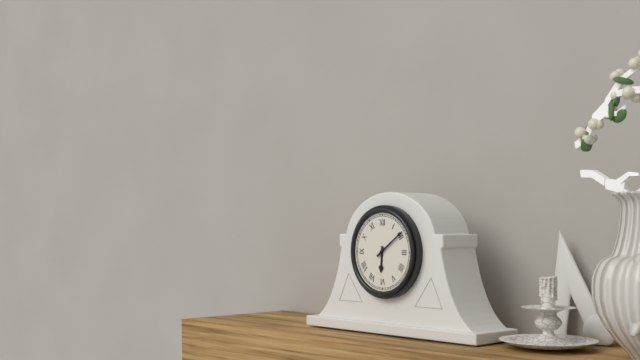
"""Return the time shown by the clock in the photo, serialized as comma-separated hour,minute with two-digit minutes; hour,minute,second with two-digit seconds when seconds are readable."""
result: 6,09
